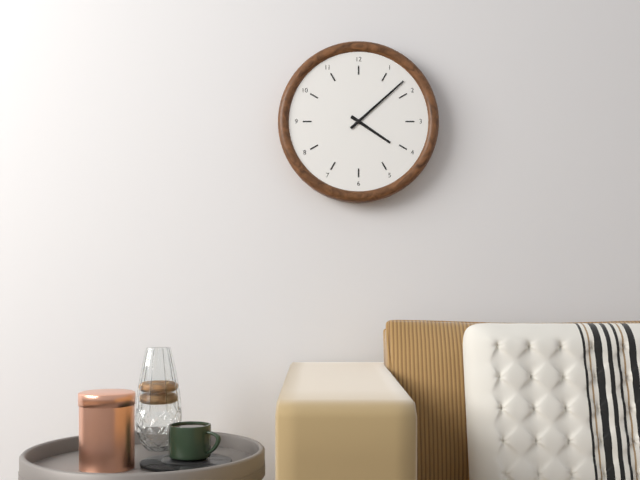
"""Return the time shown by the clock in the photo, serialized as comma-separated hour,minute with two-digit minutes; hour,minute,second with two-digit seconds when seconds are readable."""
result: 4,08
